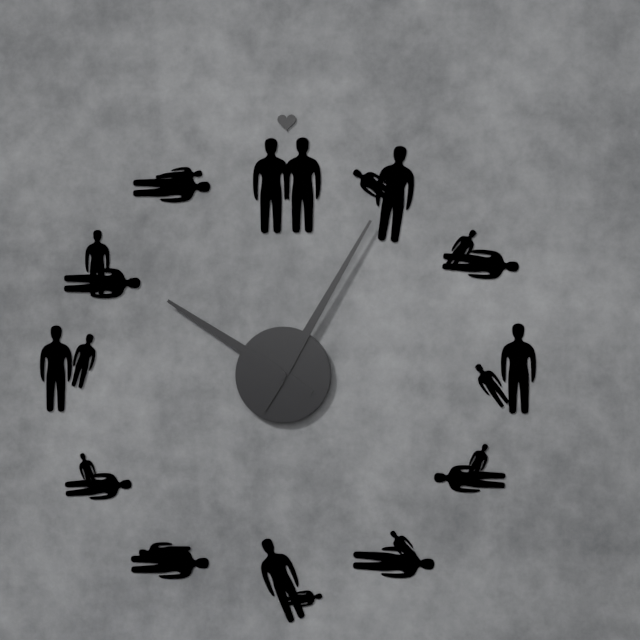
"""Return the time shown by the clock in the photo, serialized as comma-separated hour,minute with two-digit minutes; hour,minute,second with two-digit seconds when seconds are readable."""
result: 10,05
